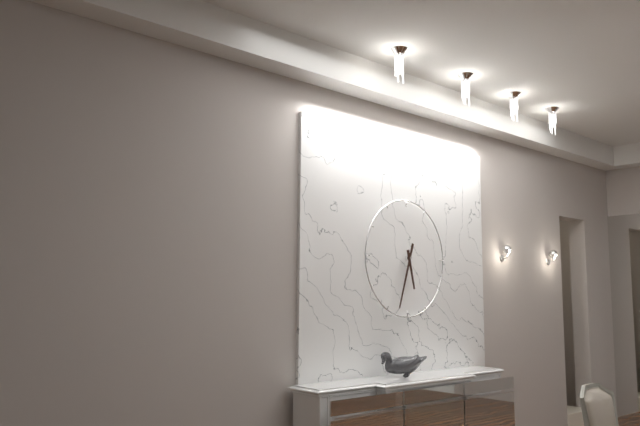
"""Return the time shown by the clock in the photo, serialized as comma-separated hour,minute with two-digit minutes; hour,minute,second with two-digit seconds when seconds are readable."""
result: 5,33
